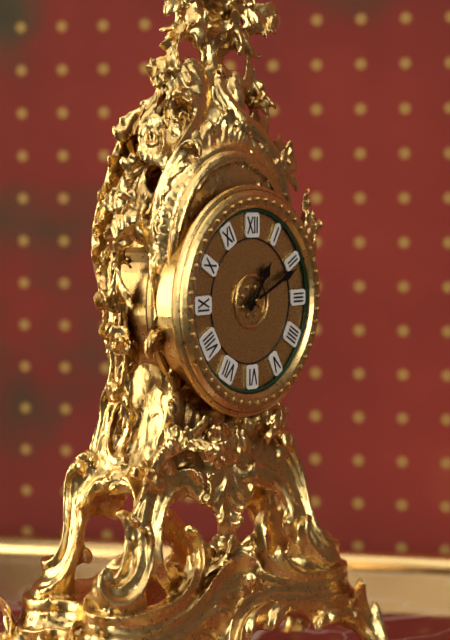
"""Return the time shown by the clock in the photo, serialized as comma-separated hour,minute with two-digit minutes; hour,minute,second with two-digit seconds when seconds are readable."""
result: 1,11
